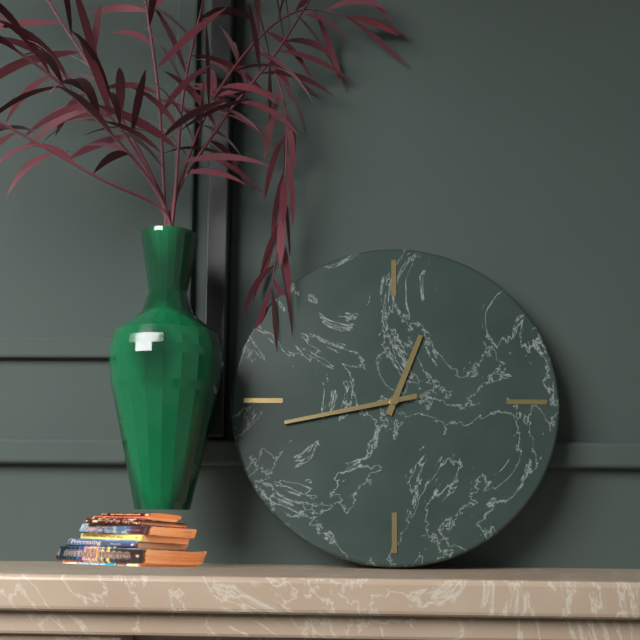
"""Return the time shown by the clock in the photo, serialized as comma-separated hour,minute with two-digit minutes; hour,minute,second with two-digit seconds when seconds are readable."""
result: 12,43
